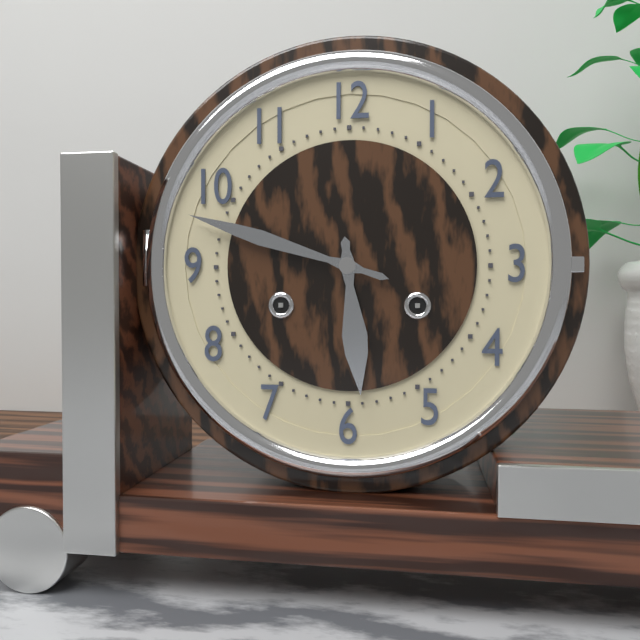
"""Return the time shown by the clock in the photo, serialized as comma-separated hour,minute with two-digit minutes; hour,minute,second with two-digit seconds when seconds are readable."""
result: 5,48
